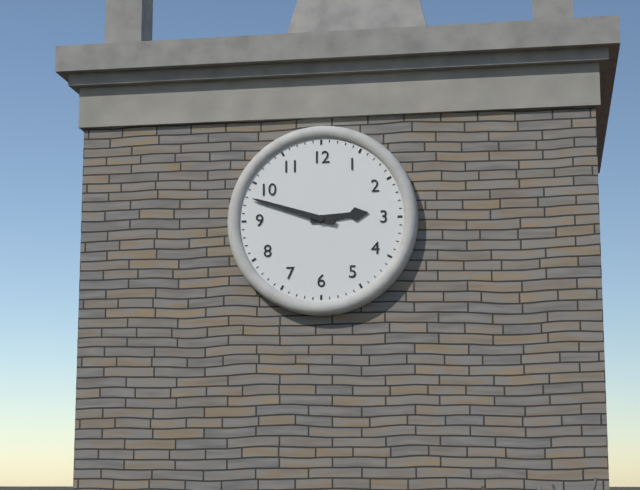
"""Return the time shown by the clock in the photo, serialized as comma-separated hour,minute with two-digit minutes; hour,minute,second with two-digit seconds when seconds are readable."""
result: 2,48
